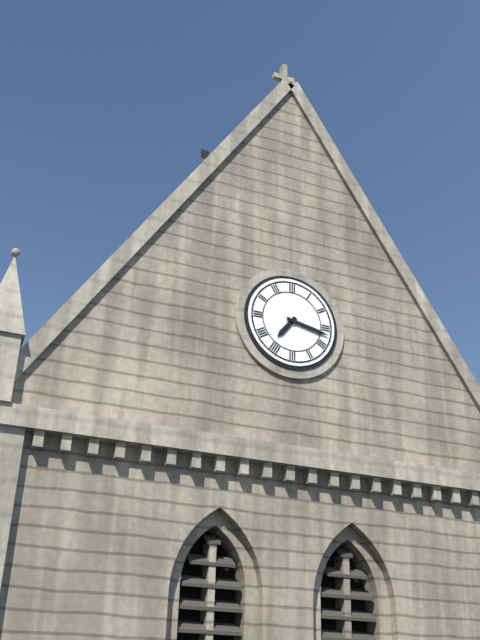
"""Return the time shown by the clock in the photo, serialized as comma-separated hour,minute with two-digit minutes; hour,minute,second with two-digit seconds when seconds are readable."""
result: 7,17
